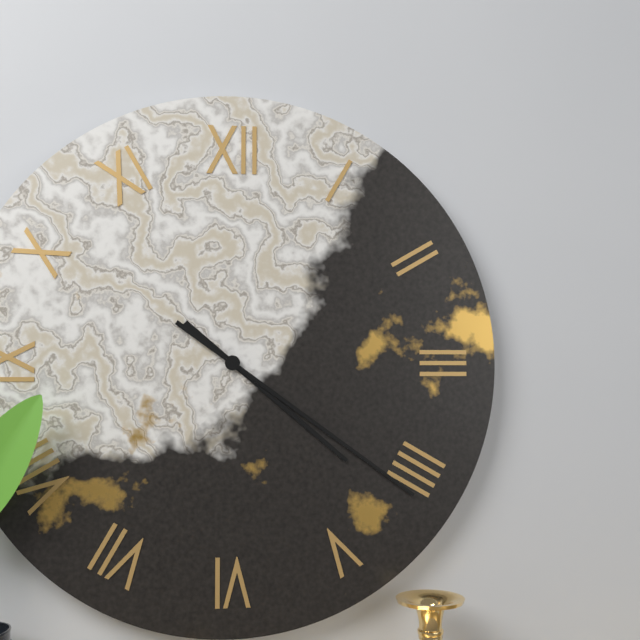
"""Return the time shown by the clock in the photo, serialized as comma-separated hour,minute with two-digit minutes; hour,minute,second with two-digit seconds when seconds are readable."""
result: 4,21
